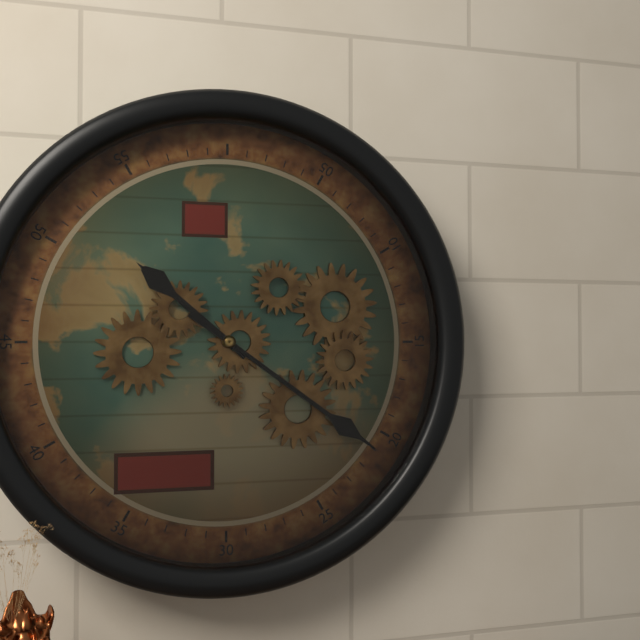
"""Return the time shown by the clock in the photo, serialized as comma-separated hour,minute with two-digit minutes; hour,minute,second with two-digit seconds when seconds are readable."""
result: 10,21
